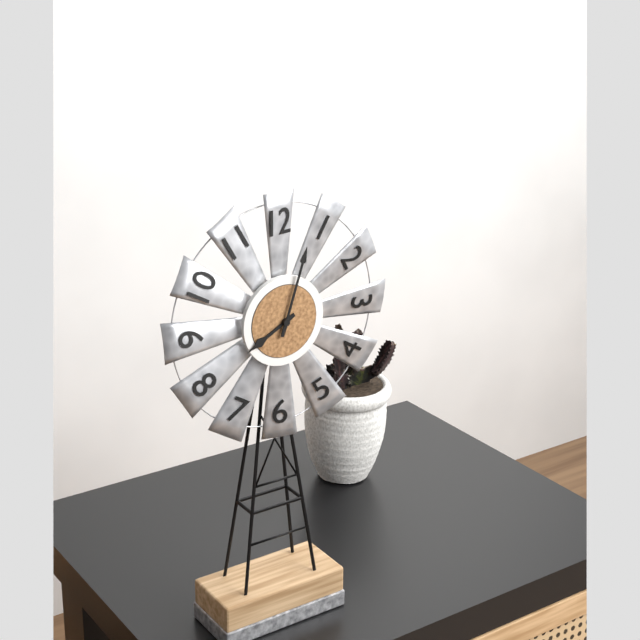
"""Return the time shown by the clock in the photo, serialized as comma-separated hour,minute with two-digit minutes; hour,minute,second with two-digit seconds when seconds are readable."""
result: 8,03
